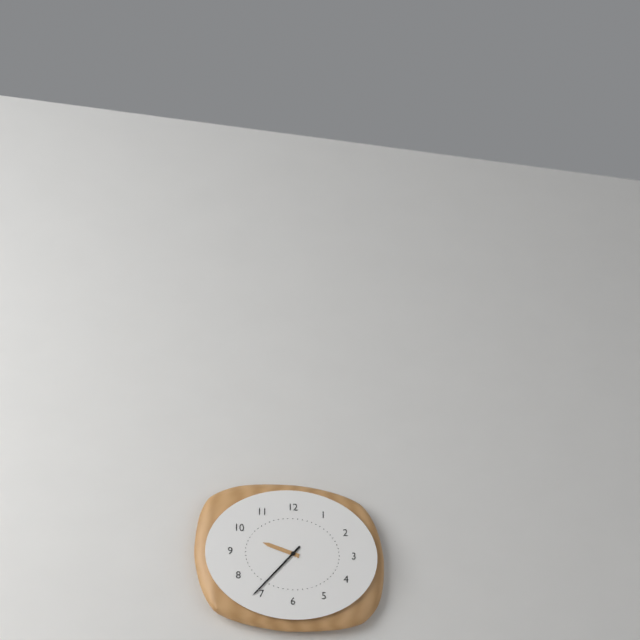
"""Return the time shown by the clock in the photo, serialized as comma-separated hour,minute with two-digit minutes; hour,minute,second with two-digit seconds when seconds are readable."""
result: 9,37
